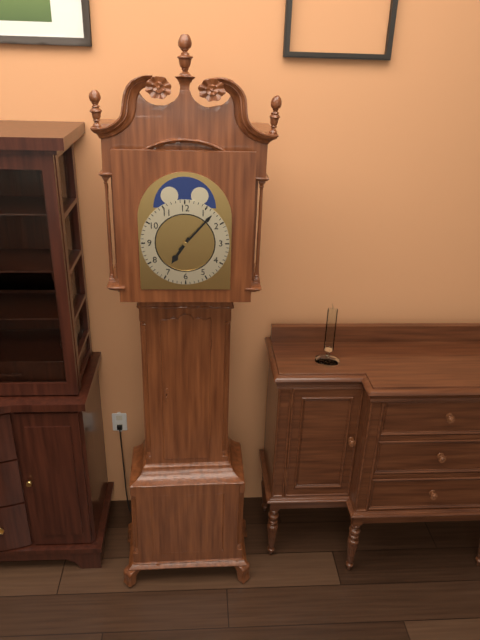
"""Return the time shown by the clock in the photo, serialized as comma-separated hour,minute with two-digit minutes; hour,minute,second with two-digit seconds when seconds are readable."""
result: 7,07
